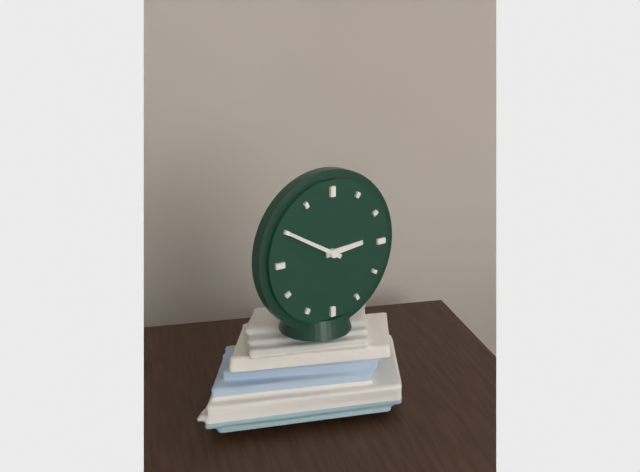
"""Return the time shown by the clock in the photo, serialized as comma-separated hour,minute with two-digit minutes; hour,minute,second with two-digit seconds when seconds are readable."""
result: 2,50
